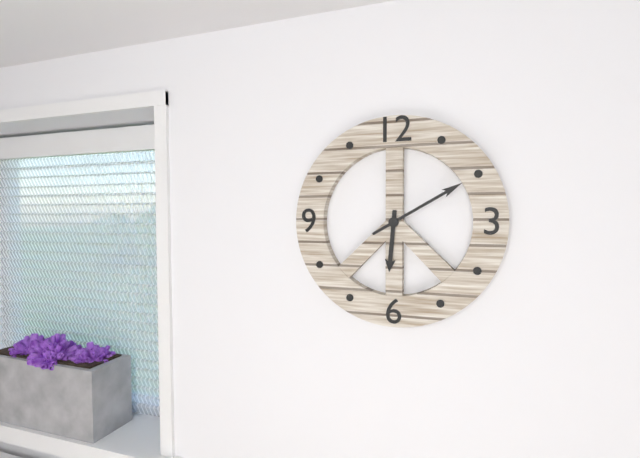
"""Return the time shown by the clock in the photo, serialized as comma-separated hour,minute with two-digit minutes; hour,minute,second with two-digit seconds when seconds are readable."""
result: 6,10
